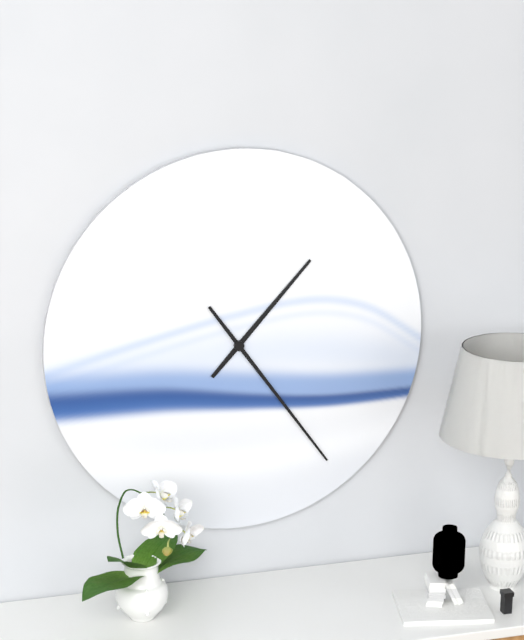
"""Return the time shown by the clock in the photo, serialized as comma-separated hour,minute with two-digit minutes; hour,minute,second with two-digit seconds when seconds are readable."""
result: 1,24
